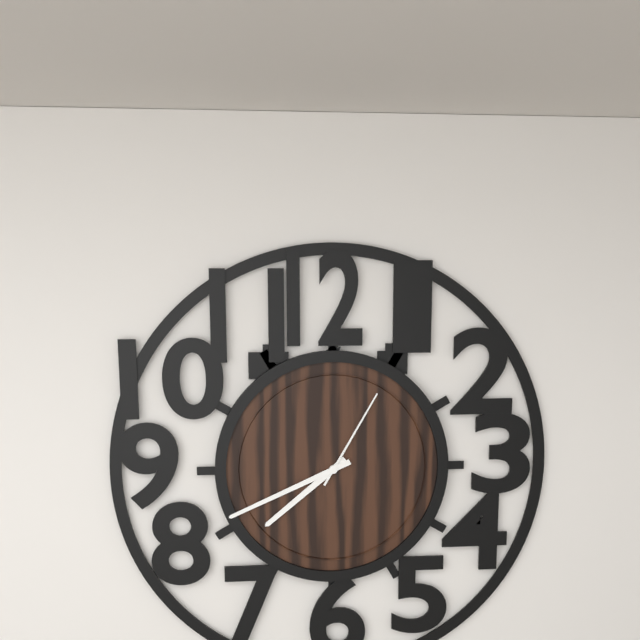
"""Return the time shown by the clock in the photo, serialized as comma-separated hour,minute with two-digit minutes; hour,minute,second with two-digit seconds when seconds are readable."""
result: 7,41,05
